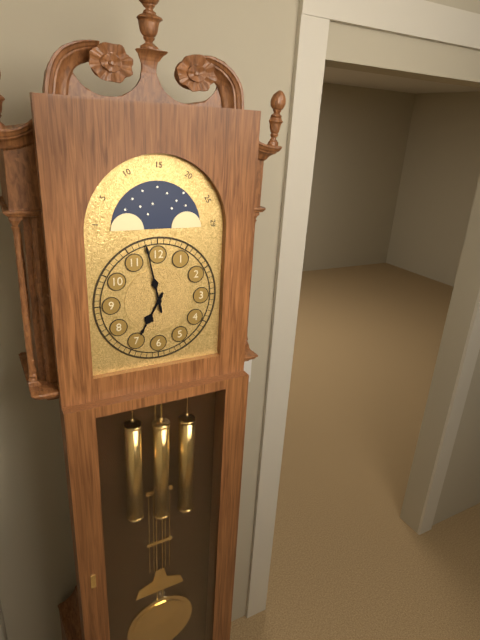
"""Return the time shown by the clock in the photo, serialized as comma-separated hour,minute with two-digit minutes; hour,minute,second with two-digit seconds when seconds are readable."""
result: 6,58
